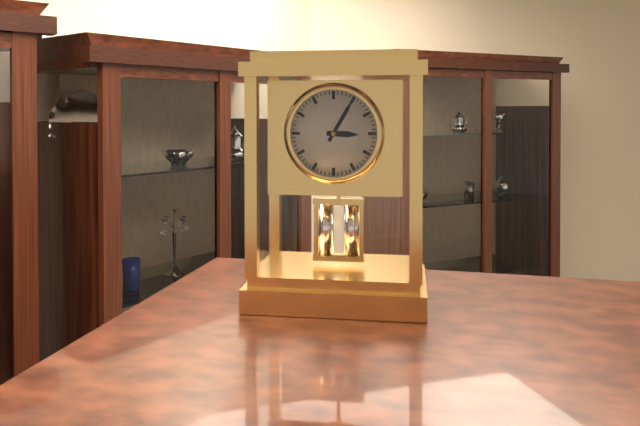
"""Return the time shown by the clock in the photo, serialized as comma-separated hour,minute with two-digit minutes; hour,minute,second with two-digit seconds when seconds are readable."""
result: 3,05
